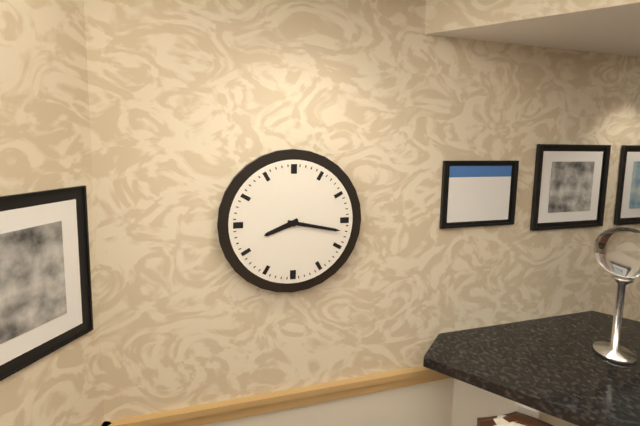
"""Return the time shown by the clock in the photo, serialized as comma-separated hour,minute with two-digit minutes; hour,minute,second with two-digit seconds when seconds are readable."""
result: 8,17
